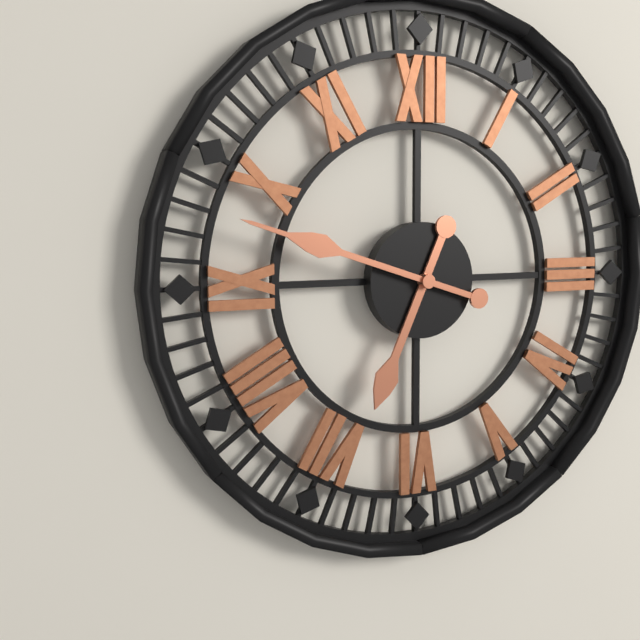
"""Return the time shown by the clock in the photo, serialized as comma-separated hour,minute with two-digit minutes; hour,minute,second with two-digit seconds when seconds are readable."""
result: 6,48
